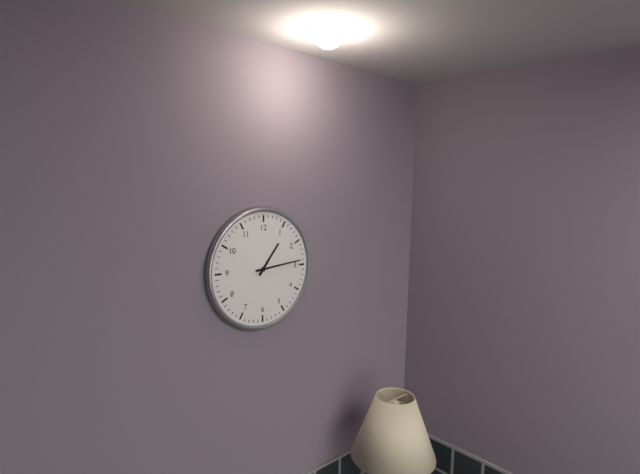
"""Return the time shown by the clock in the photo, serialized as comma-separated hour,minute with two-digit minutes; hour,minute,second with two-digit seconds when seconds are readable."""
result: 1,14
